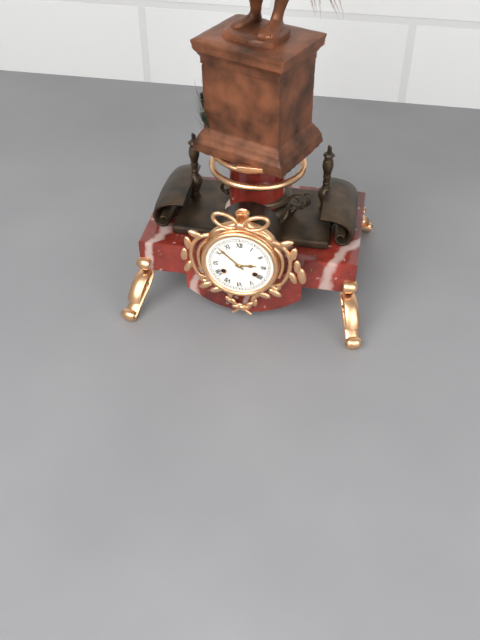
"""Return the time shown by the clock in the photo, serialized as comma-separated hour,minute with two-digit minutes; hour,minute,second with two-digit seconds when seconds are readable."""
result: 2,52
